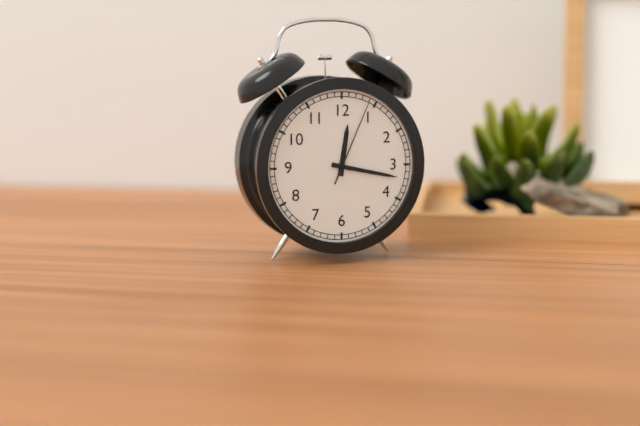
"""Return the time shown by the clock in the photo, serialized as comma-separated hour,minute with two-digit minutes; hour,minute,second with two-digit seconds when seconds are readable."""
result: 12,17,04
